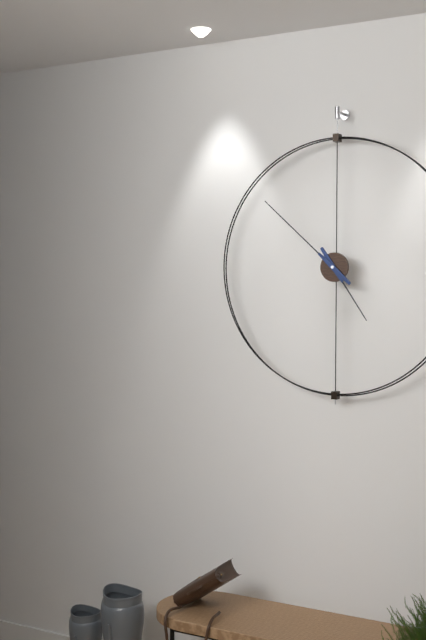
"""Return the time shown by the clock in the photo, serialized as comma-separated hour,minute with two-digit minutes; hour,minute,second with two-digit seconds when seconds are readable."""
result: 4,52
